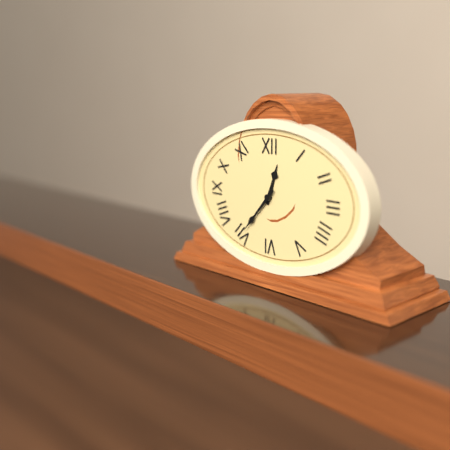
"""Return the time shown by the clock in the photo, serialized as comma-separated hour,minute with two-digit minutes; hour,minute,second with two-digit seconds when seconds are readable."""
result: 12,37
